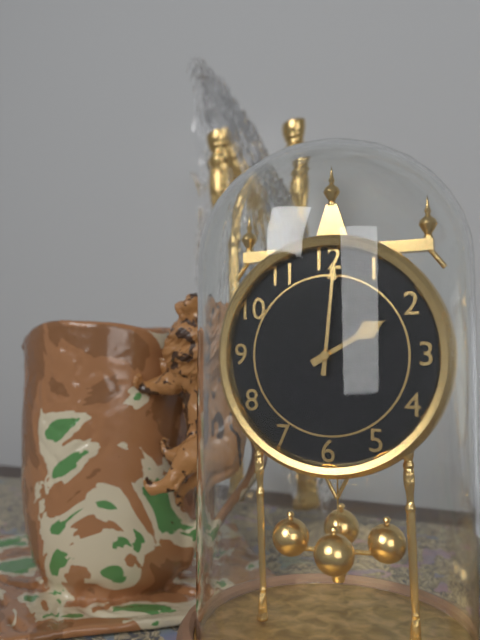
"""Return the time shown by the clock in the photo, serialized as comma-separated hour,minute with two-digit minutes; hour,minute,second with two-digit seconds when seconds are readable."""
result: 2,01
